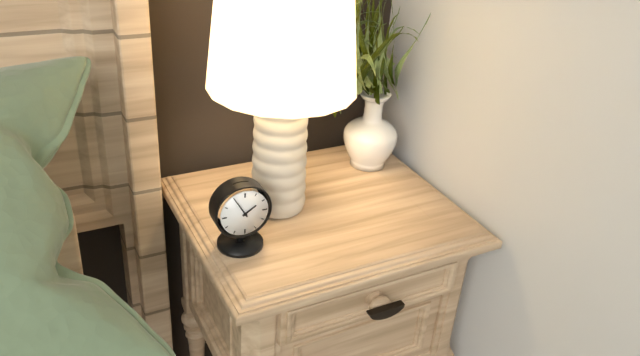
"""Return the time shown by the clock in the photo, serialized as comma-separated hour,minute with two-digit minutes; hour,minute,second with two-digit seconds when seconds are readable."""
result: 1,55
